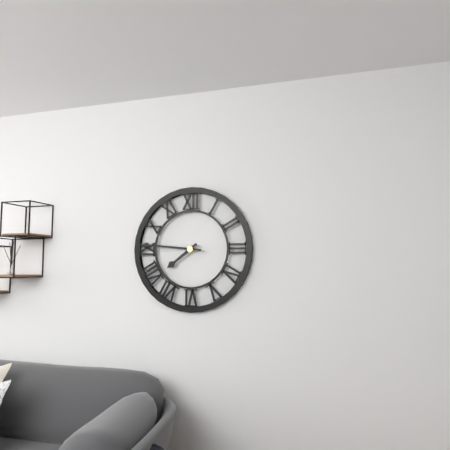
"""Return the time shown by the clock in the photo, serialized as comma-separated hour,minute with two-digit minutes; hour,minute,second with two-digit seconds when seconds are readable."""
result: 7,46
